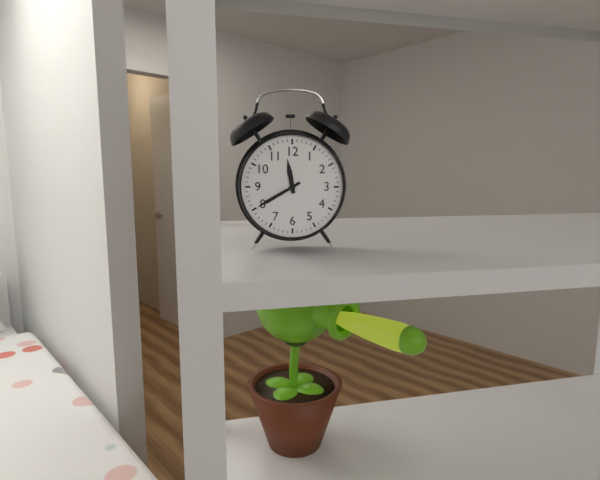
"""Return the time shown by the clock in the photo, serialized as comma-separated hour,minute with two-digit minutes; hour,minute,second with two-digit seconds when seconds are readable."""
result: 11,40
